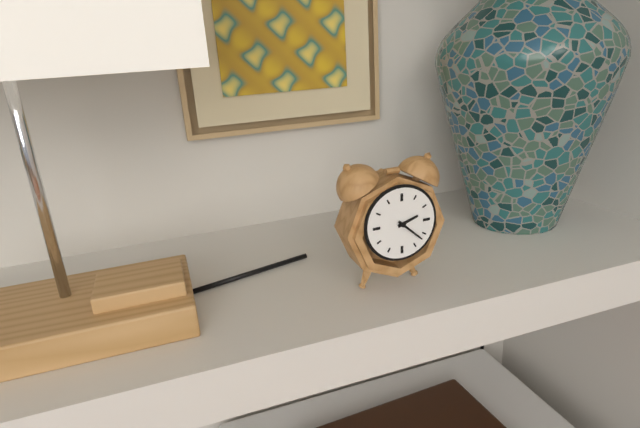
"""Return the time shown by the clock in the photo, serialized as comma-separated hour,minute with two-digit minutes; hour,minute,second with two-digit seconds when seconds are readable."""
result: 2,22
